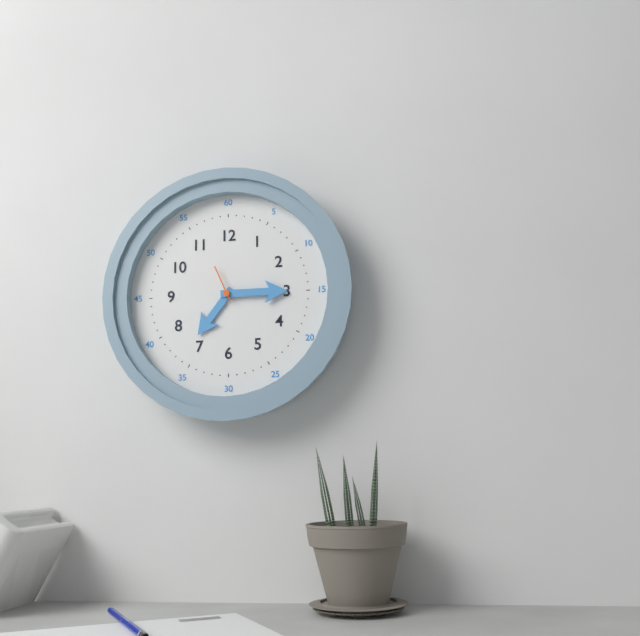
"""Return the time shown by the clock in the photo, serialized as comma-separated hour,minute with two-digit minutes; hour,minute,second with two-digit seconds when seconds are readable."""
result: 7,15
